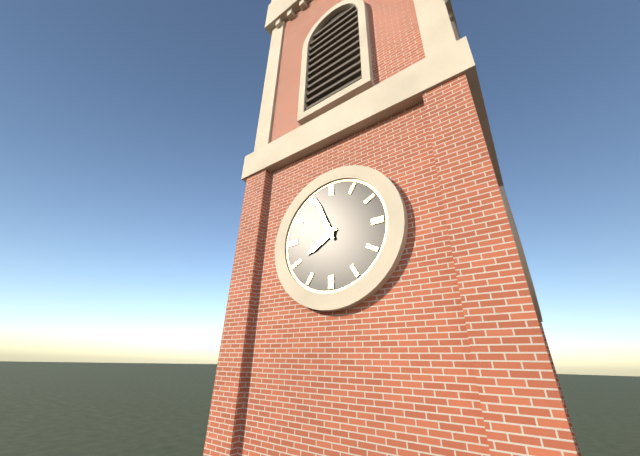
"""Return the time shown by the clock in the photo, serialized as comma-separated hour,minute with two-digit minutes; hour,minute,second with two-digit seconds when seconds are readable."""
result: 7,56
